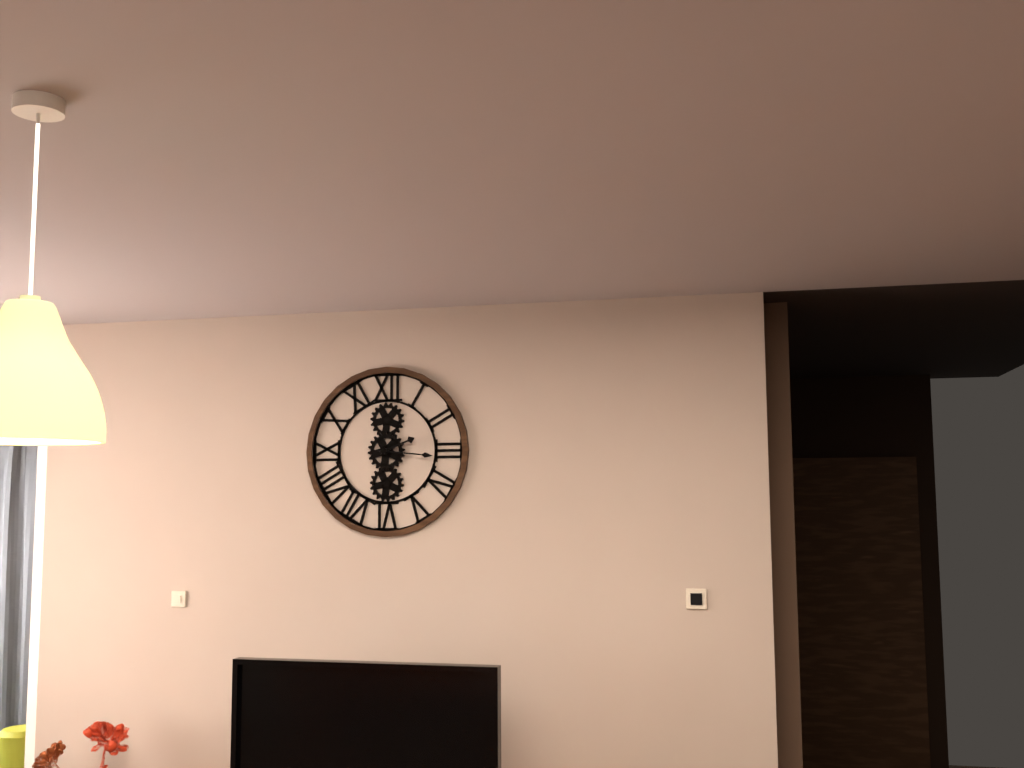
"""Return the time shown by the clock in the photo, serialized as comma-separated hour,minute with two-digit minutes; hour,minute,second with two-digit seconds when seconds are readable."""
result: 2,16
